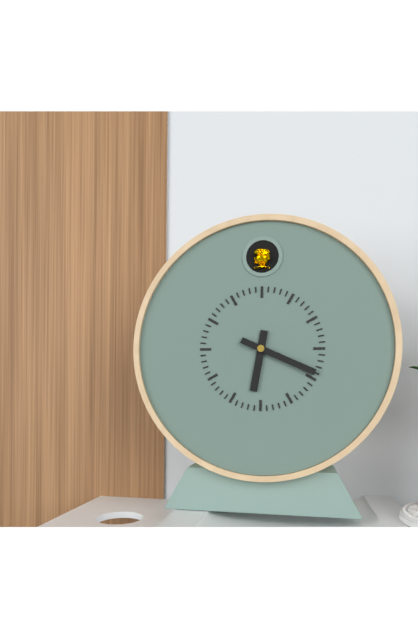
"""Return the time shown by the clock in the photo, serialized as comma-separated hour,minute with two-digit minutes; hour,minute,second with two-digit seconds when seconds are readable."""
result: 6,19
